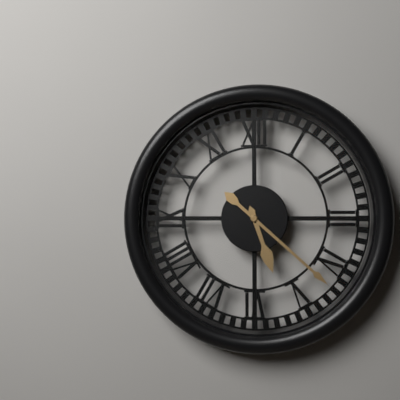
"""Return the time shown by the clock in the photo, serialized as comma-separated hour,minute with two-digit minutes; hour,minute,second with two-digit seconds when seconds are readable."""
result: 5,22
